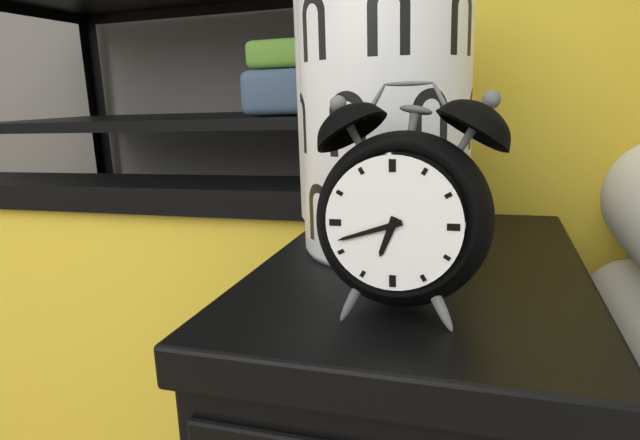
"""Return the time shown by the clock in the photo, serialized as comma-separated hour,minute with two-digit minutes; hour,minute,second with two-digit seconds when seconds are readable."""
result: 6,42
